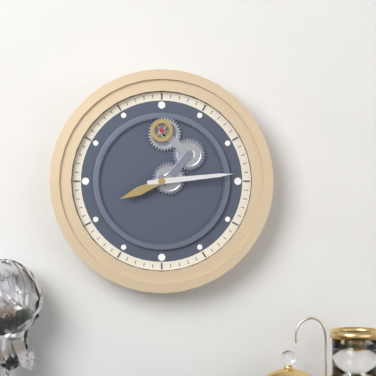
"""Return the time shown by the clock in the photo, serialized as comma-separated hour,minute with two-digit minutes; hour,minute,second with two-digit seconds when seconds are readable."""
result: 8,14
